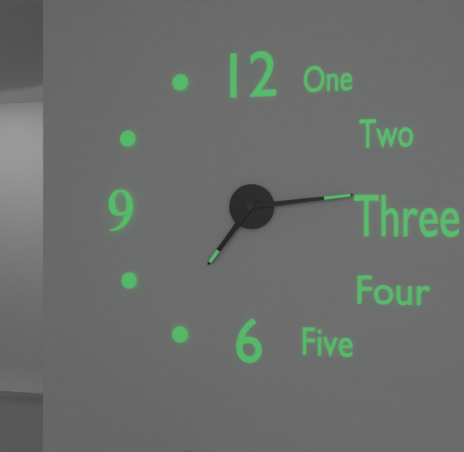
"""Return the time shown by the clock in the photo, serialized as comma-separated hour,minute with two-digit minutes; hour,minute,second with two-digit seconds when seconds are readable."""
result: 7,14
